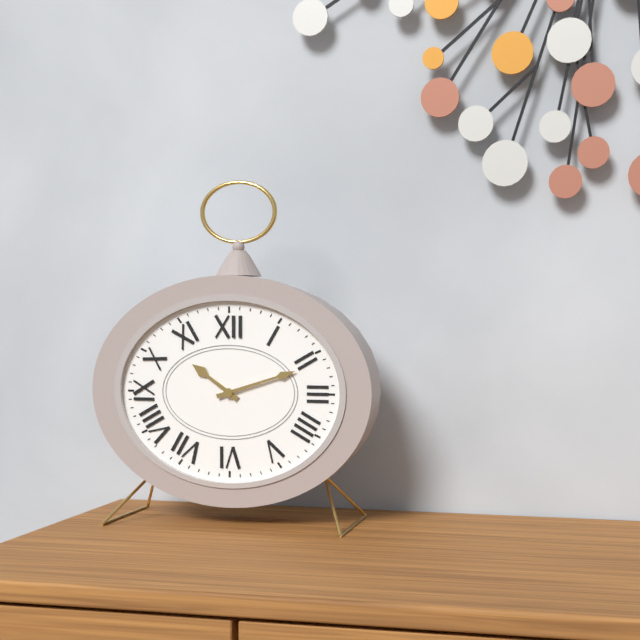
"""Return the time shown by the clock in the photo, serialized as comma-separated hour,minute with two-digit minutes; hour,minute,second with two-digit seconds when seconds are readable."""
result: 10,12
